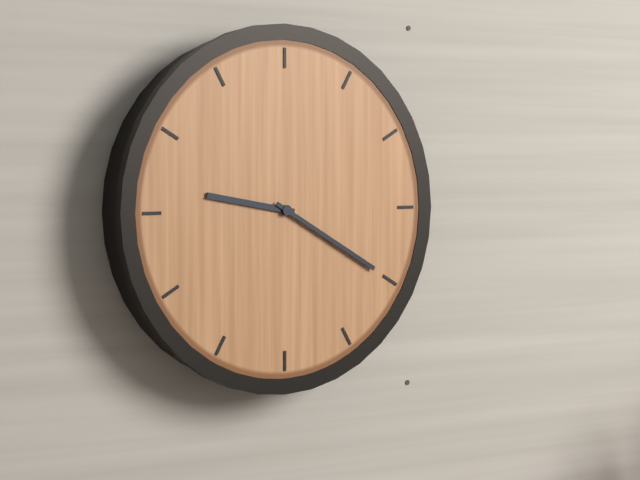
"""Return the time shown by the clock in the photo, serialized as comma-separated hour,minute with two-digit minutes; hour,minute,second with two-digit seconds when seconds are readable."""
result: 9,20
